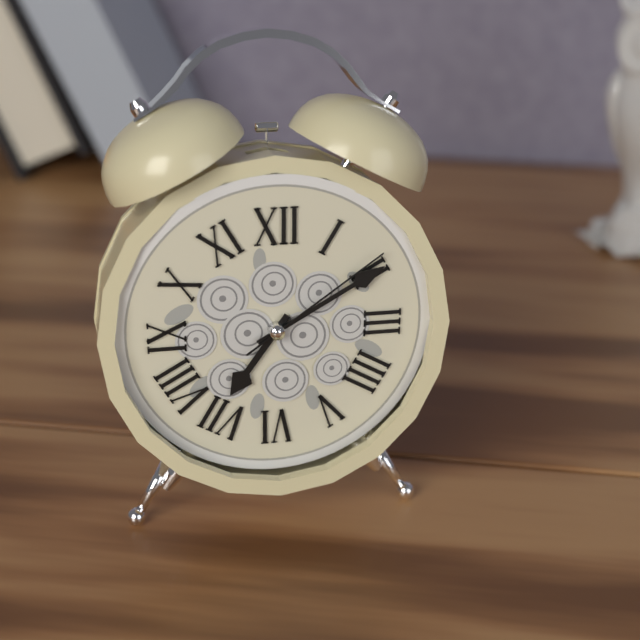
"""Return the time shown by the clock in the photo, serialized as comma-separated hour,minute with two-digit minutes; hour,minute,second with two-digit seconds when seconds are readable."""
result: 7,10,09
